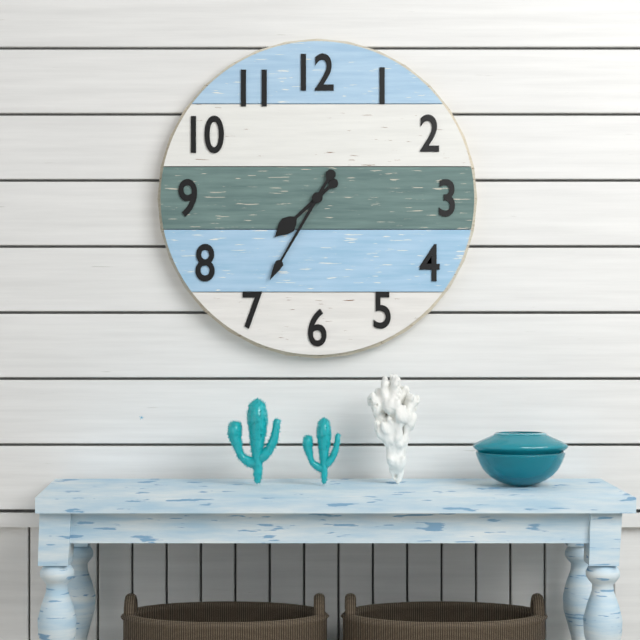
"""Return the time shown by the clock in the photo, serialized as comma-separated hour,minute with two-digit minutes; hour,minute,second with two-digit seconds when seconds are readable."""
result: 7,35
